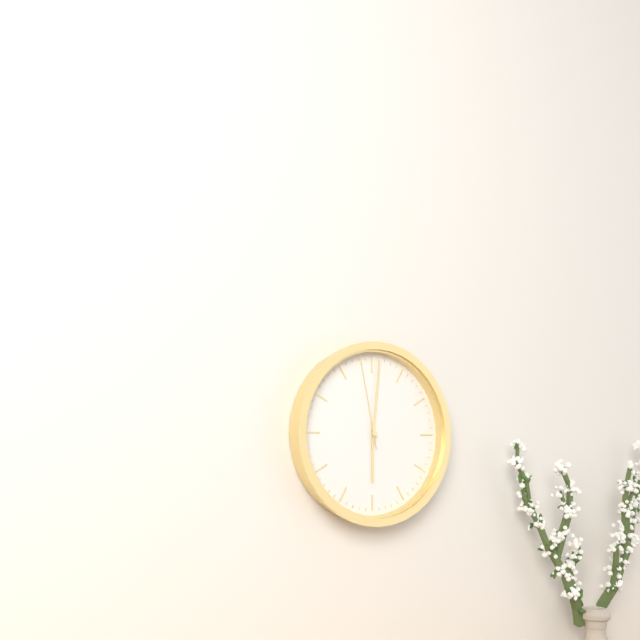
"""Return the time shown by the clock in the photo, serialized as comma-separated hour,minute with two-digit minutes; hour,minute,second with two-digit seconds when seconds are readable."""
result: 6,01,58
